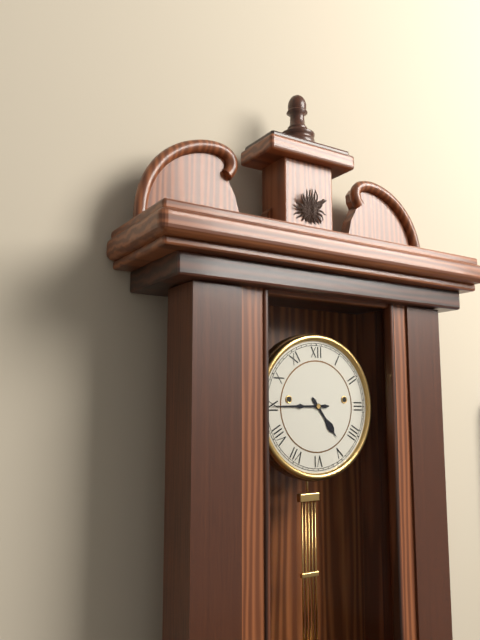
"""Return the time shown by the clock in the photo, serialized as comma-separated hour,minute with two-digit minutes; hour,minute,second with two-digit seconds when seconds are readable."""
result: 4,45
